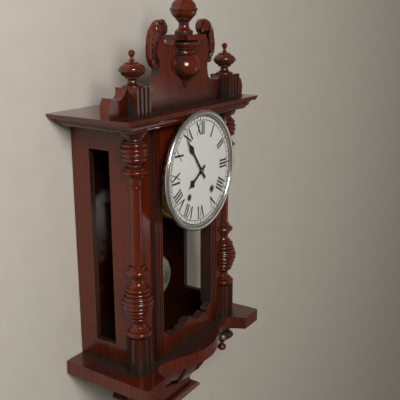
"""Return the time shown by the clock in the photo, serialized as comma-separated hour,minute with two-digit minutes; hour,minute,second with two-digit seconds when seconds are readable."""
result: 7,54
